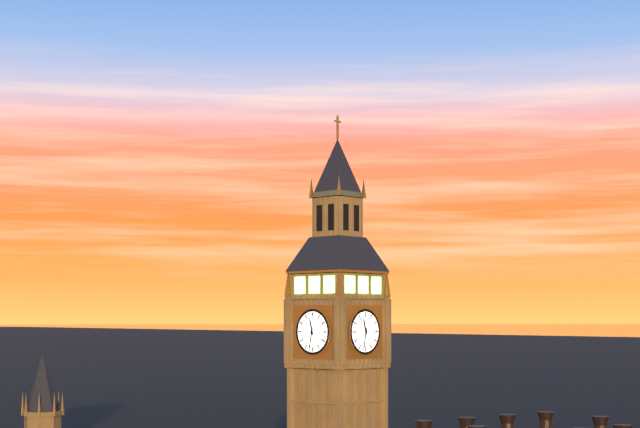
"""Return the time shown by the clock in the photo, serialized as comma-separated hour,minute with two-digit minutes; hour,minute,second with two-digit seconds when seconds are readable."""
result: 11,32
